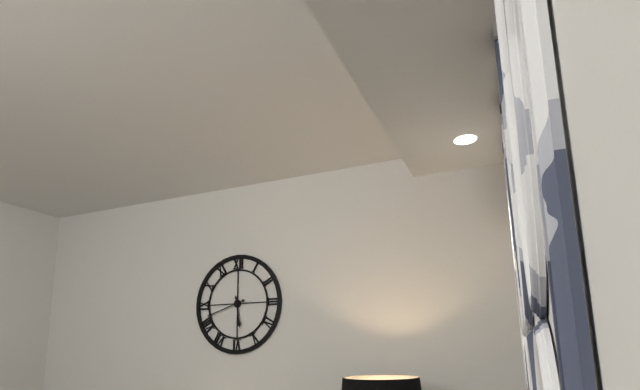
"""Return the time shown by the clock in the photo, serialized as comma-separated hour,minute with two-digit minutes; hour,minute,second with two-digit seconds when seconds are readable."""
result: 5,42
